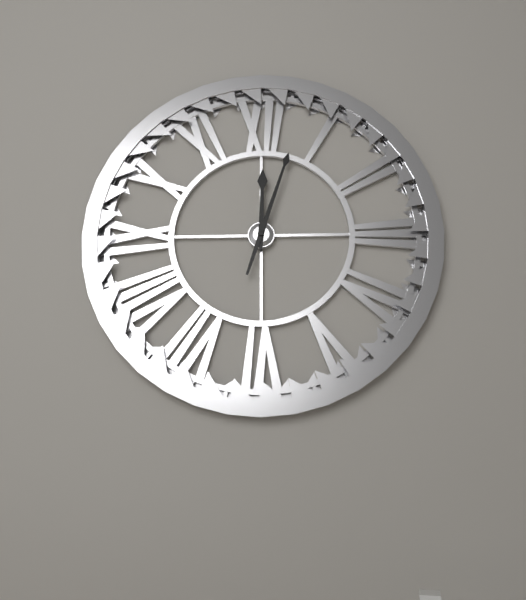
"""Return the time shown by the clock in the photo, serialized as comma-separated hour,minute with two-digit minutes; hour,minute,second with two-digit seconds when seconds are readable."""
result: 12,03
